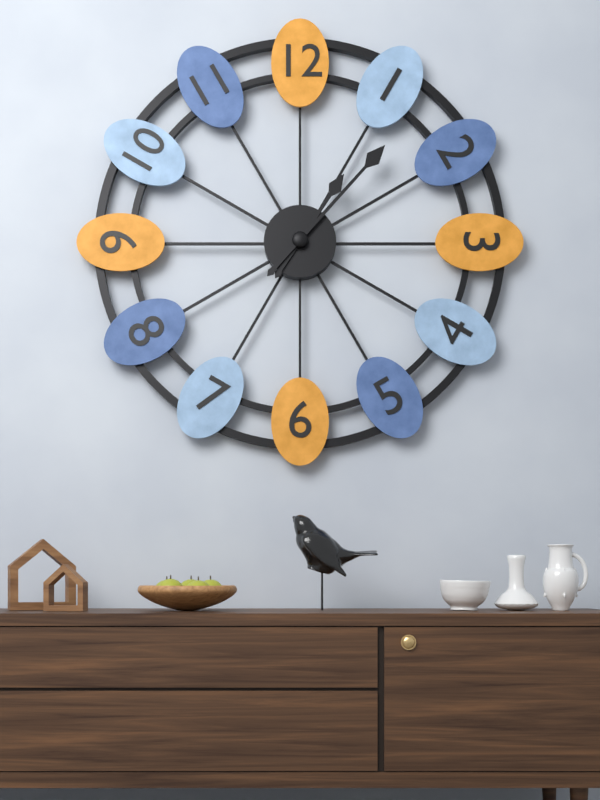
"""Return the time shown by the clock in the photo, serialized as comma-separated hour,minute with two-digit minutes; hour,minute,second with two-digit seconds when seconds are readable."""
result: 1,07
